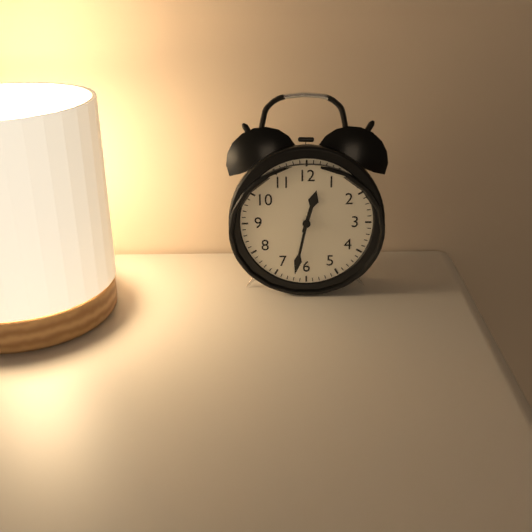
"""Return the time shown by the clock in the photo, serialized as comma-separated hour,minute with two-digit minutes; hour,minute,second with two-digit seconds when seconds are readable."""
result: 12,32
